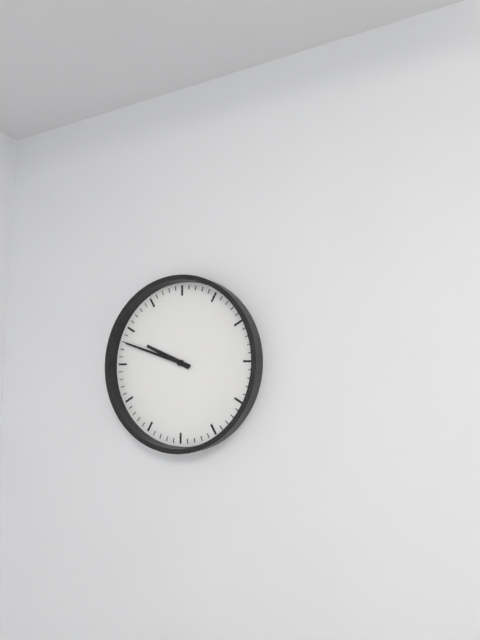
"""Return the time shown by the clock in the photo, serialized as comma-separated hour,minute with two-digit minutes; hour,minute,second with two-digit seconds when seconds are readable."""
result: 9,48
